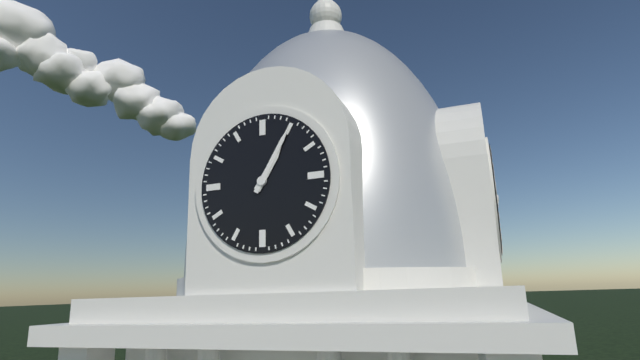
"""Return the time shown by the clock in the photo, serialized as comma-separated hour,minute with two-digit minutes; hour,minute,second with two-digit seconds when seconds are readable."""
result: 1,05
